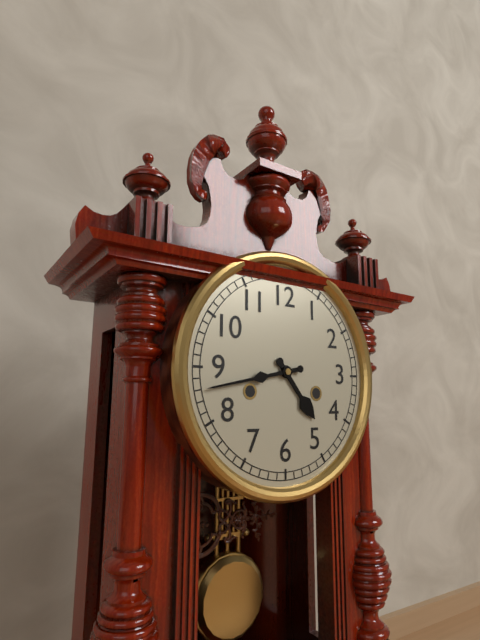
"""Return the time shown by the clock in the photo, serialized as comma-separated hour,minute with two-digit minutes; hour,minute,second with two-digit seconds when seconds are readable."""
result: 4,43
